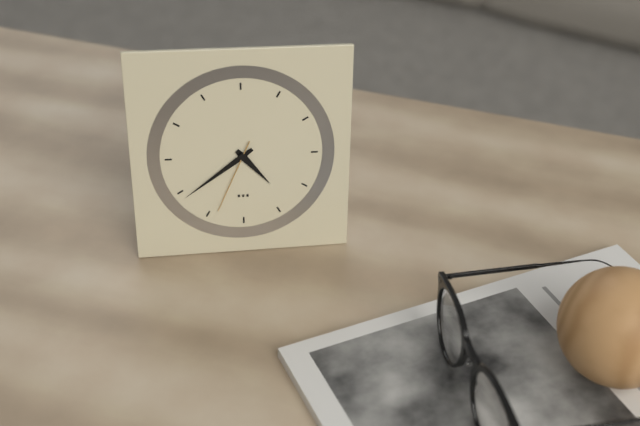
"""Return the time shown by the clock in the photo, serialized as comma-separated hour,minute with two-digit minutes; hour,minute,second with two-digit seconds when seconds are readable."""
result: 4,39,34
